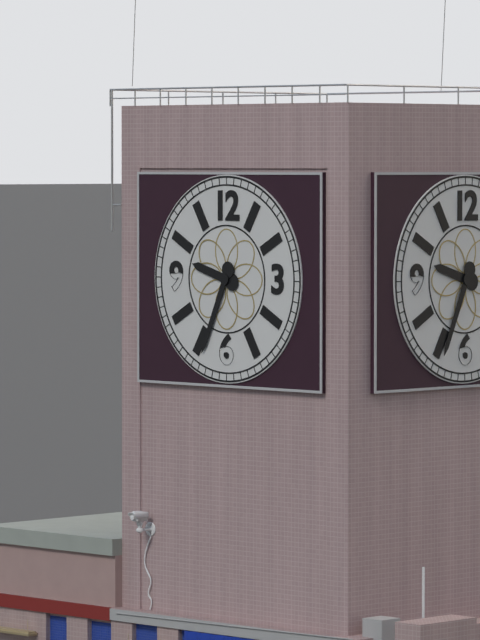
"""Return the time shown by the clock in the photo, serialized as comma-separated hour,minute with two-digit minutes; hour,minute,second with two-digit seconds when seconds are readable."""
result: 9,34
